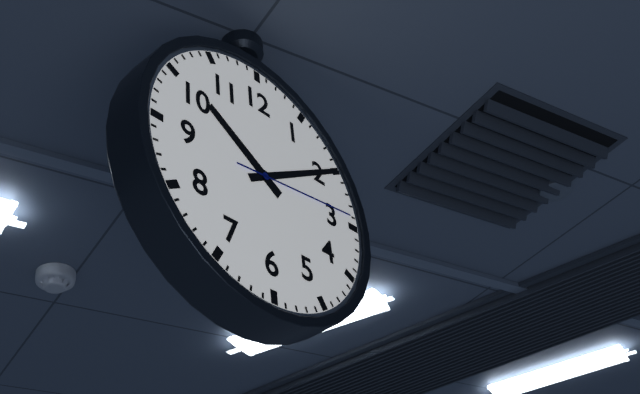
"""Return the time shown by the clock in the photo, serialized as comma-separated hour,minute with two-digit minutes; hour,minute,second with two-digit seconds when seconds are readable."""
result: 10,10,14
